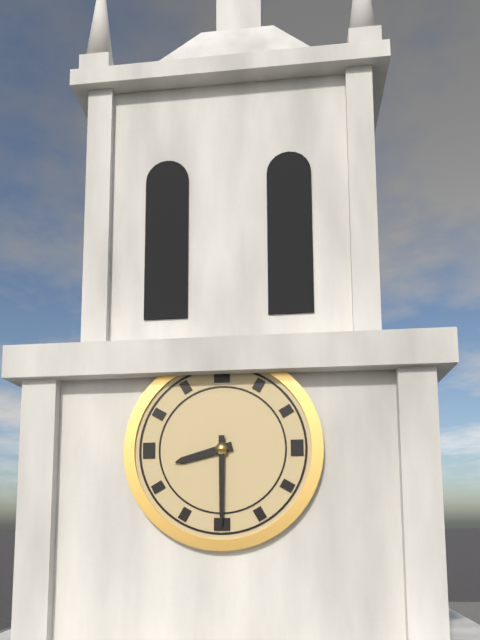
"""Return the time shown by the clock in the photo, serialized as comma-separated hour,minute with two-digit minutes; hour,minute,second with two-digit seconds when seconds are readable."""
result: 8,30
